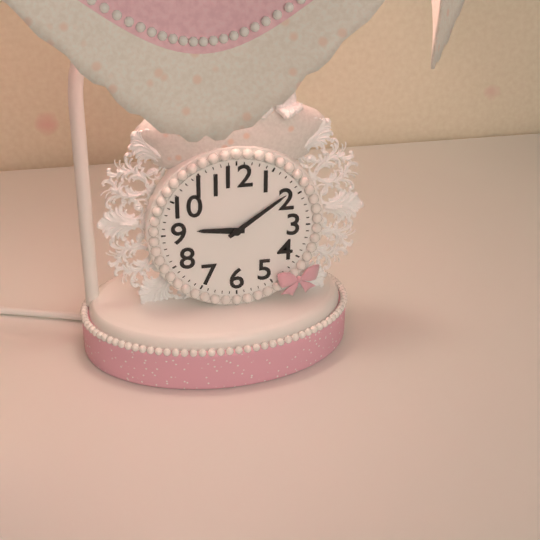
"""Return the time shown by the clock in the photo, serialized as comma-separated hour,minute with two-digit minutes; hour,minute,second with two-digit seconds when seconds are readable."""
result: 9,09
